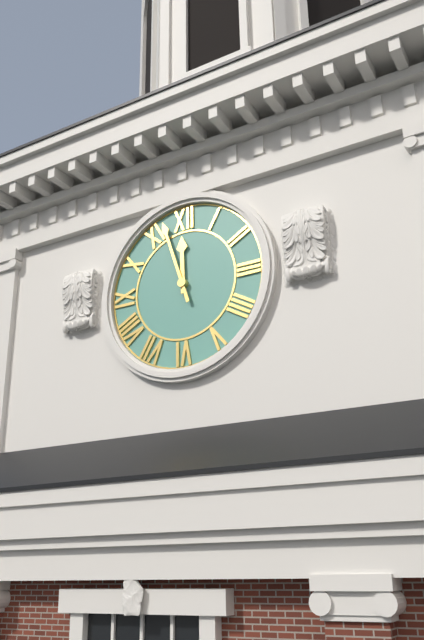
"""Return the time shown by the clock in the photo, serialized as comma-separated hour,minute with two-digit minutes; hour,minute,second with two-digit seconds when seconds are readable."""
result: 11,57
